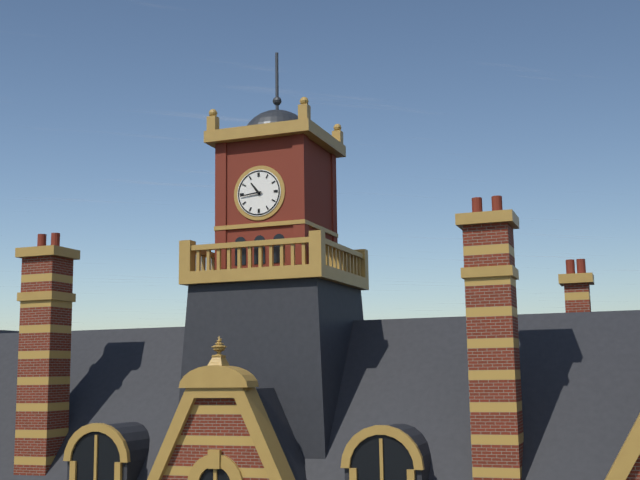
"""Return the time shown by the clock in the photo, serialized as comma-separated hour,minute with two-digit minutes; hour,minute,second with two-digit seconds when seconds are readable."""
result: 10,44
